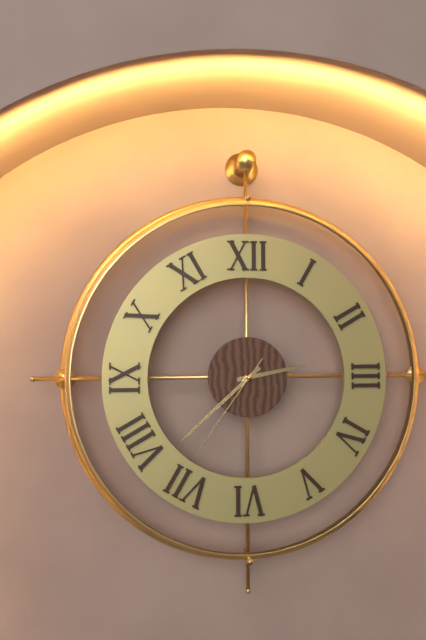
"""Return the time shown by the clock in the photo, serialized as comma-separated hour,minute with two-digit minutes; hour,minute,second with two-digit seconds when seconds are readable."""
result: 2,38,36
